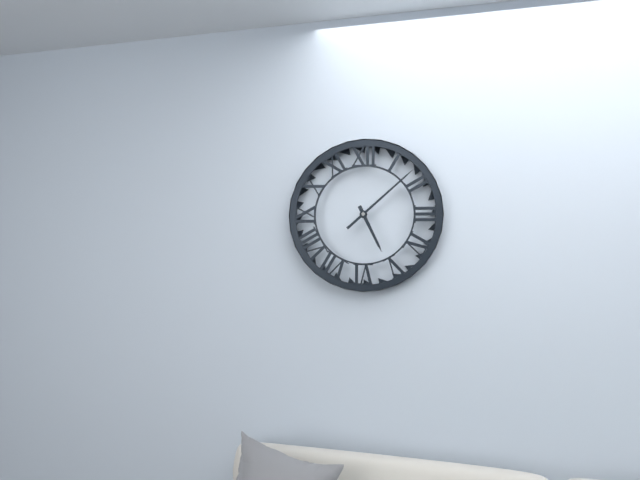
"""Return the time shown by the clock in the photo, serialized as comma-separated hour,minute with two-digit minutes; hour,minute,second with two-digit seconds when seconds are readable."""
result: 5,08
